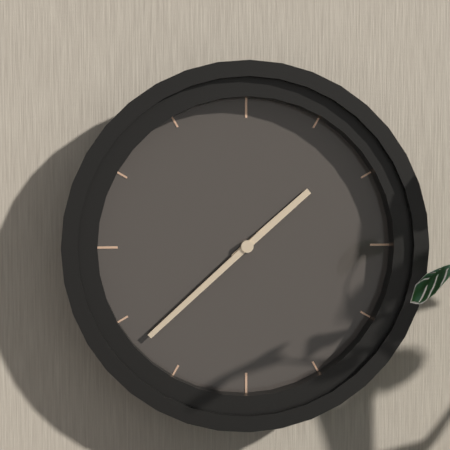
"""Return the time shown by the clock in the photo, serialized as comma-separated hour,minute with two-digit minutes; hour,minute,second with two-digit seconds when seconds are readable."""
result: 1,38
